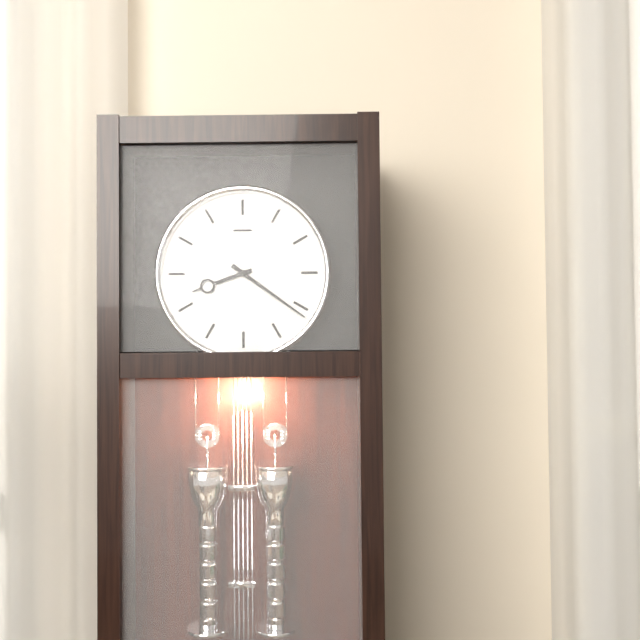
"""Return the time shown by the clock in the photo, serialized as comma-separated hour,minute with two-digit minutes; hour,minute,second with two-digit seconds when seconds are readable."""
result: 8,21
